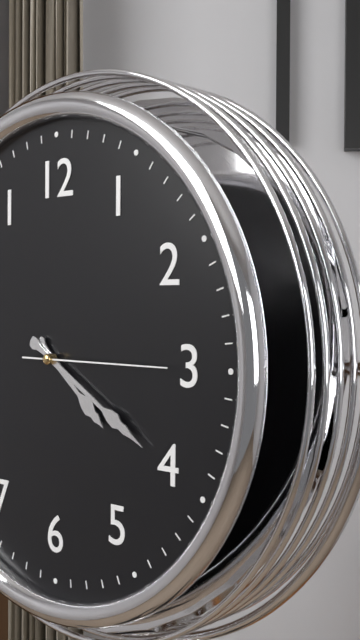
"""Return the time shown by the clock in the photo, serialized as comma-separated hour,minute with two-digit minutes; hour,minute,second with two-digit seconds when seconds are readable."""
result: 4,20,15
